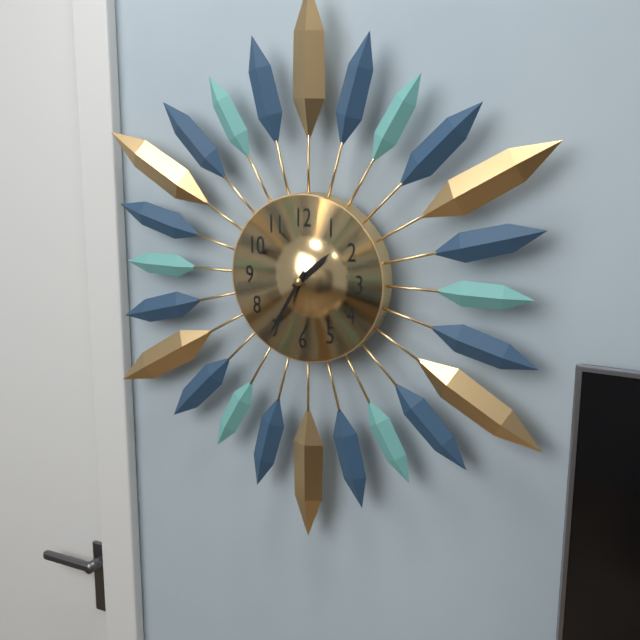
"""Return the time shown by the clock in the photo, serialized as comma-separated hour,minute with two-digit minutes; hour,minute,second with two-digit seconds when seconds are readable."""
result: 1,35
